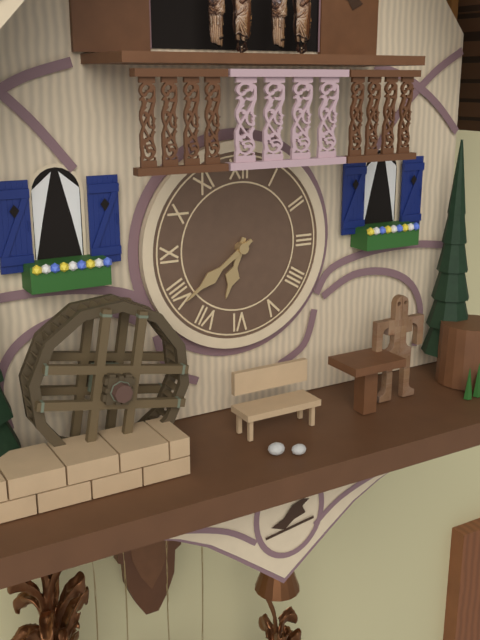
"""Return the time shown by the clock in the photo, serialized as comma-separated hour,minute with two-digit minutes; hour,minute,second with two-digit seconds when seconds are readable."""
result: 6,39
